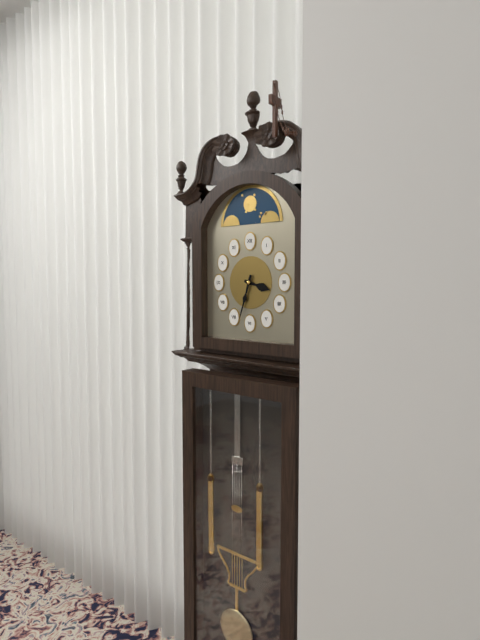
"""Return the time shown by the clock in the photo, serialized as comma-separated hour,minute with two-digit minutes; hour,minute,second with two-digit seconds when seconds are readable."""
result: 3,33
